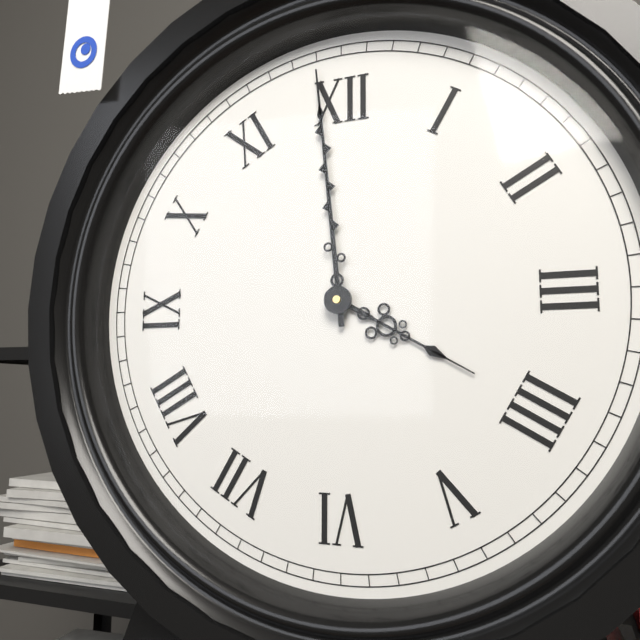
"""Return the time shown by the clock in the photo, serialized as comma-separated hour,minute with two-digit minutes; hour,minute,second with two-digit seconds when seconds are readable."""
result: 3,59
